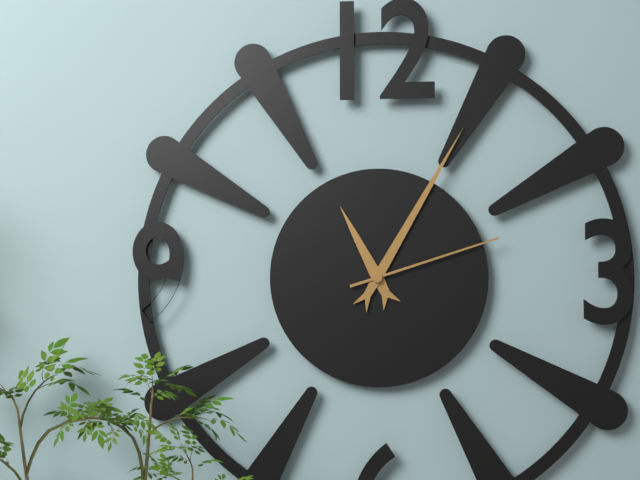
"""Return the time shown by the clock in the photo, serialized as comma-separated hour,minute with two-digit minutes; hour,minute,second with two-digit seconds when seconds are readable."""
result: 11,05,12
